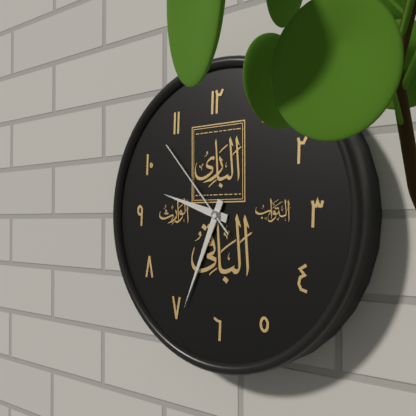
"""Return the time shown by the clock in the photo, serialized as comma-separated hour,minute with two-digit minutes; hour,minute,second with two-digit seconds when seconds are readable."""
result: 9,34,53
